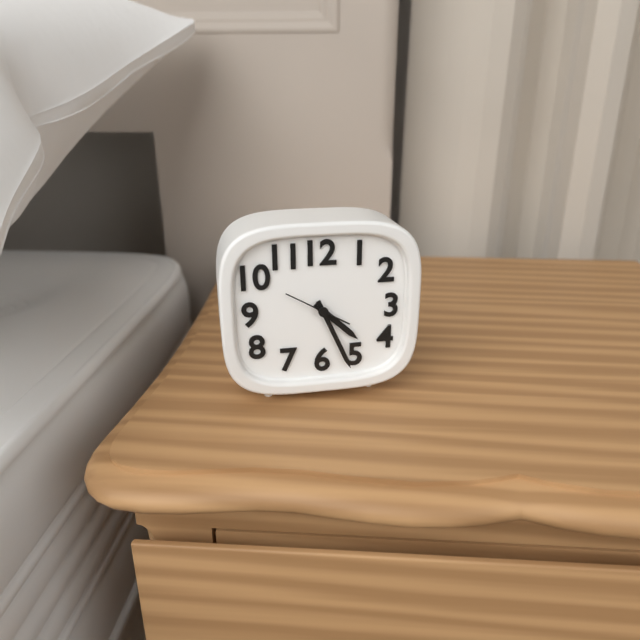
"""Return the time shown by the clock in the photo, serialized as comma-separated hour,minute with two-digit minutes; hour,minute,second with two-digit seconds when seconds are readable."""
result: 4,26,50
